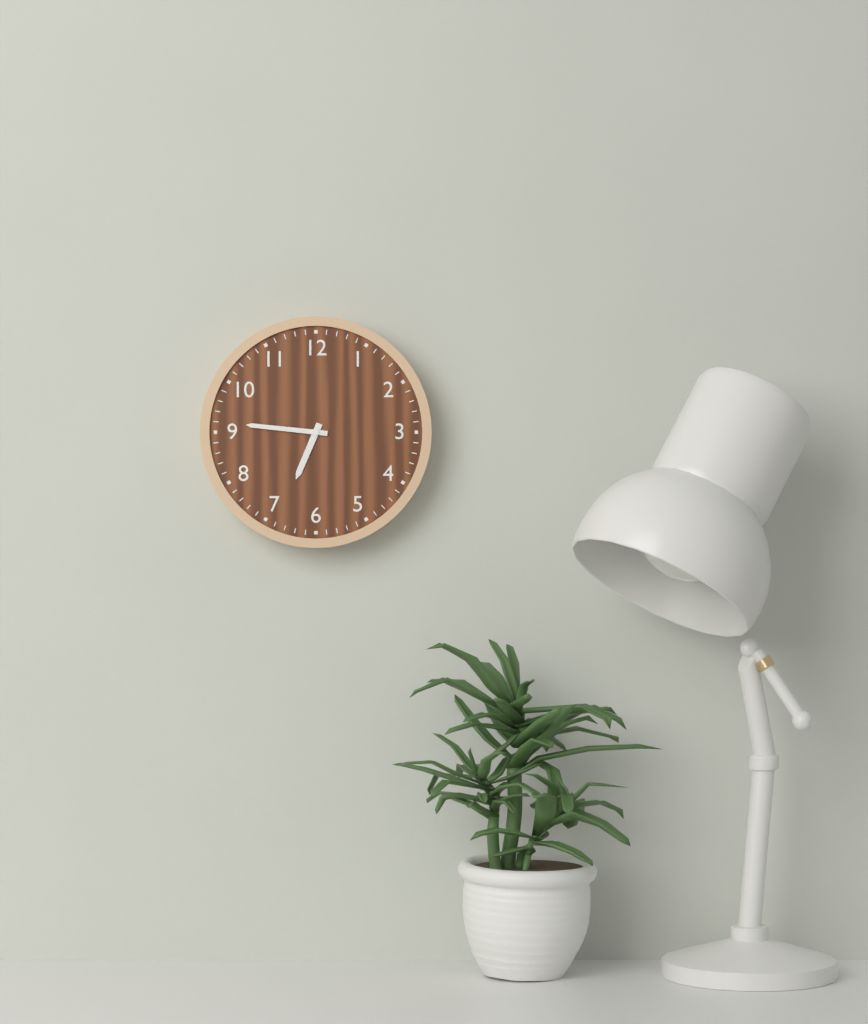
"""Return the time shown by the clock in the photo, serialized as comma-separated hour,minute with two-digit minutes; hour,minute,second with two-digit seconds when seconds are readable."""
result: 6,46
